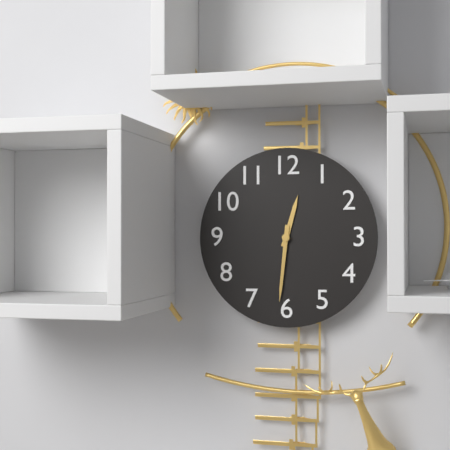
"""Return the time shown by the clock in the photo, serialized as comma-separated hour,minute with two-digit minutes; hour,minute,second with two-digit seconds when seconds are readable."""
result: 12,31
